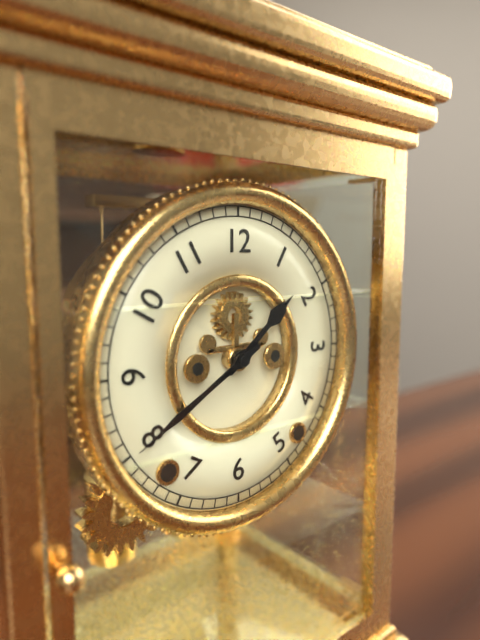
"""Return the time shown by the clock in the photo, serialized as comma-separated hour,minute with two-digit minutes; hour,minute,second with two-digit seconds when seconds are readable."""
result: 1,40
